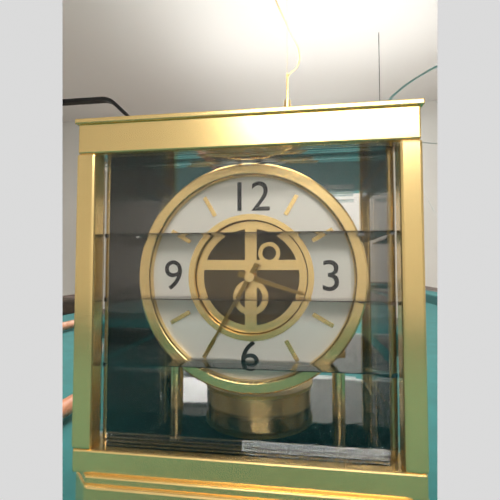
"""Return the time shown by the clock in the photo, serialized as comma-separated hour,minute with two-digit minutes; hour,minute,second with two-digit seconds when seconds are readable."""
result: 3,35
